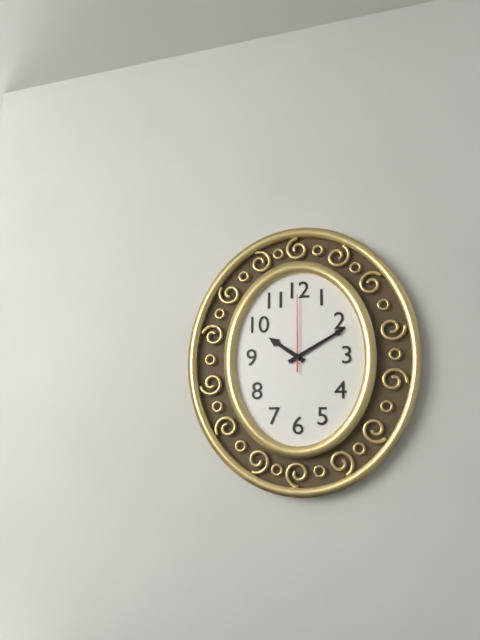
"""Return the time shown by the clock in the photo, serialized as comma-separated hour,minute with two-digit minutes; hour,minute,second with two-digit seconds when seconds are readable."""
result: 10,10,00
